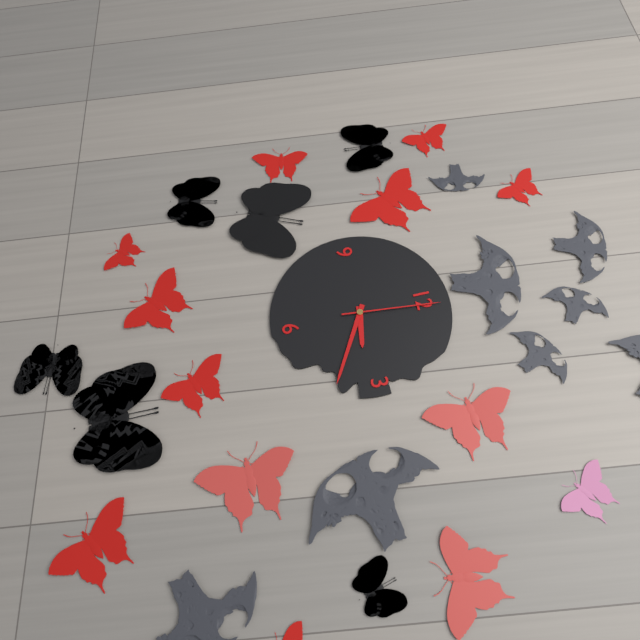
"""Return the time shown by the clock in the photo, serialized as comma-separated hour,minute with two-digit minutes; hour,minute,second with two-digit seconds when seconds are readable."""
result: 3,20,01
